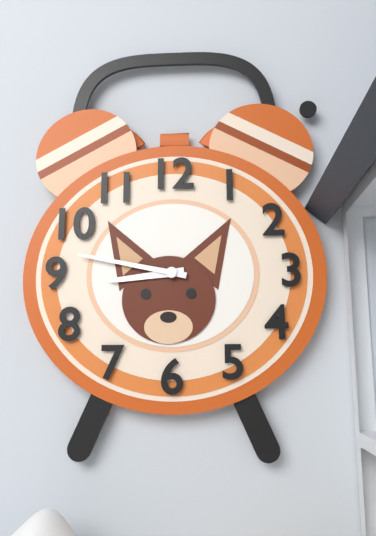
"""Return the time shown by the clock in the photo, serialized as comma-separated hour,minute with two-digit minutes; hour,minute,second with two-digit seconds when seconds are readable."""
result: 8,47
